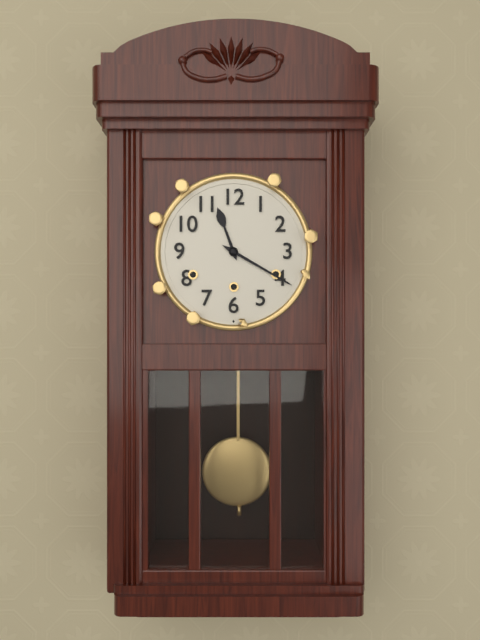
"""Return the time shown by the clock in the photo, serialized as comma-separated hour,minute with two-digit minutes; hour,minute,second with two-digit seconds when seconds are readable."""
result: 11,20
